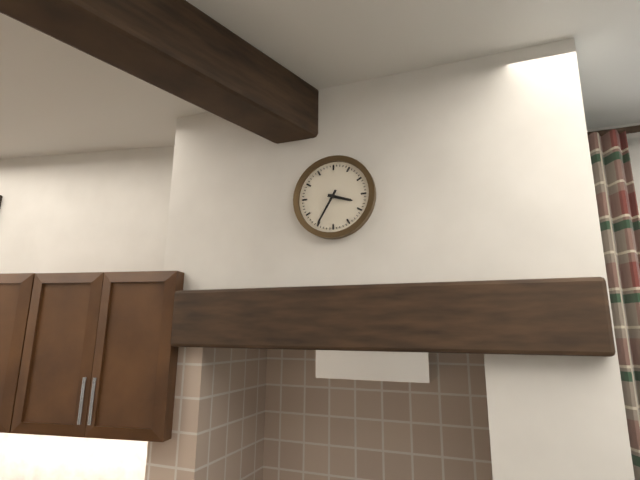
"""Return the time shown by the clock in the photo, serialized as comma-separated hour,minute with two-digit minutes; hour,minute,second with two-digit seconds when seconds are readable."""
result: 3,35
